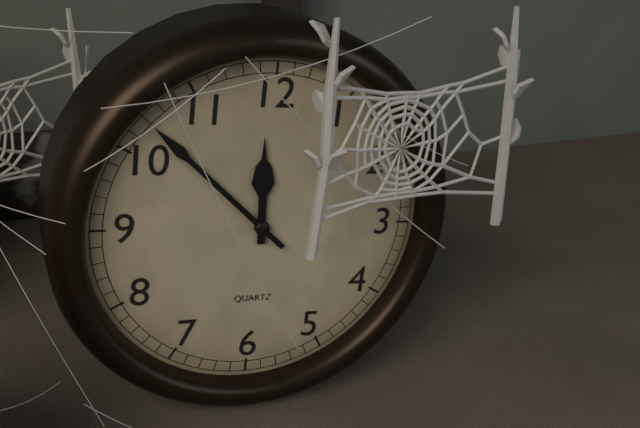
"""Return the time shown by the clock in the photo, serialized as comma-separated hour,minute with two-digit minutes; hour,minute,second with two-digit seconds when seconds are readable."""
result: 11,52
